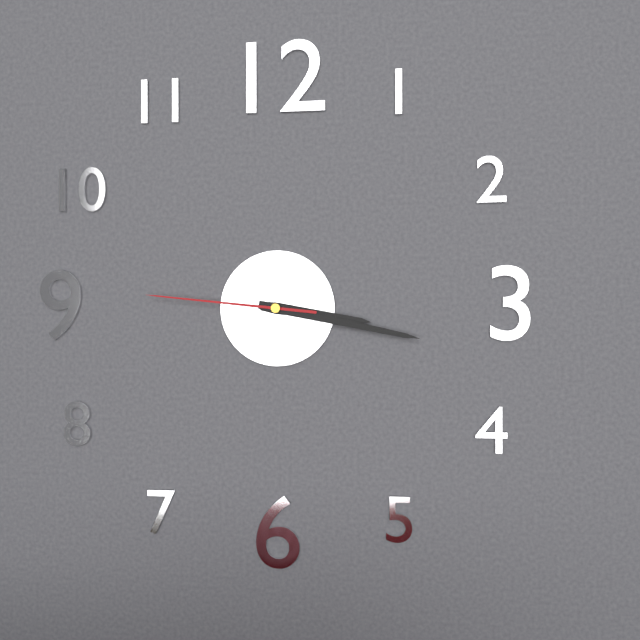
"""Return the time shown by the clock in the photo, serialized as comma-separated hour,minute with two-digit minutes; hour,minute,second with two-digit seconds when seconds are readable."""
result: 3,17,46
